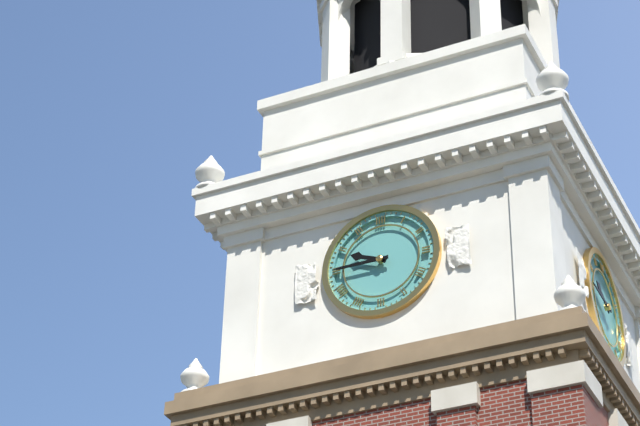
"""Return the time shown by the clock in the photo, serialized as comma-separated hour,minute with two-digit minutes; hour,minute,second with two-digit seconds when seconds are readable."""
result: 9,45
